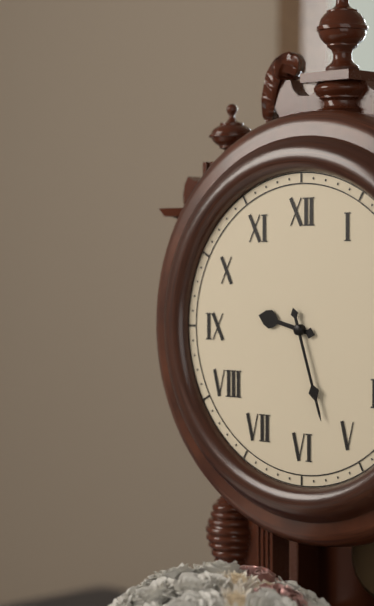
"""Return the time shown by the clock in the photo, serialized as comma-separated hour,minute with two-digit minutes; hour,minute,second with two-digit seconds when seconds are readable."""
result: 9,27
